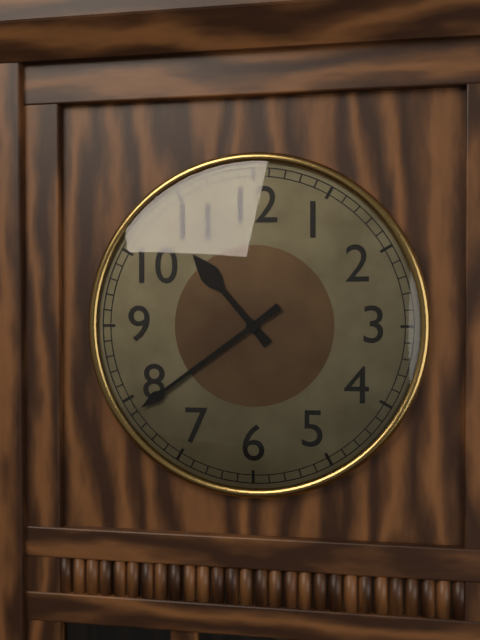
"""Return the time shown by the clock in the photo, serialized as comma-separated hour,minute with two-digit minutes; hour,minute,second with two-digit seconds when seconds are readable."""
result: 10,39
